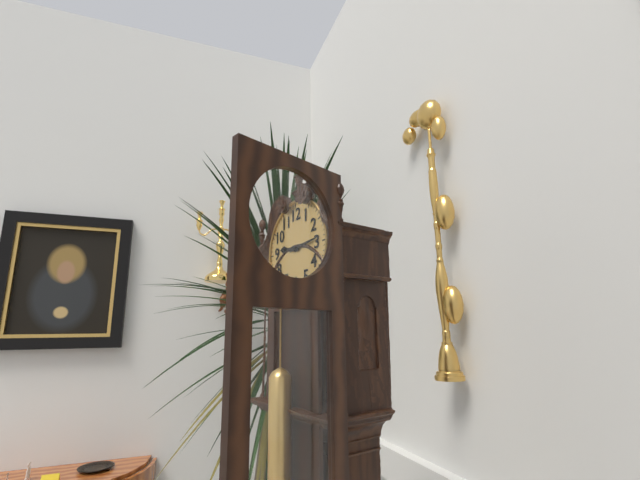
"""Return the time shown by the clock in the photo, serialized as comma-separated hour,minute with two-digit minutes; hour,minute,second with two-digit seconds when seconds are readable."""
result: 9,14
